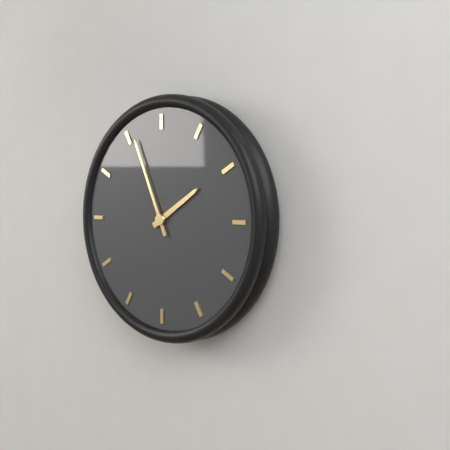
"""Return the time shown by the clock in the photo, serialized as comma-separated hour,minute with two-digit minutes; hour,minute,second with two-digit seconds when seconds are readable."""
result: 1,56
